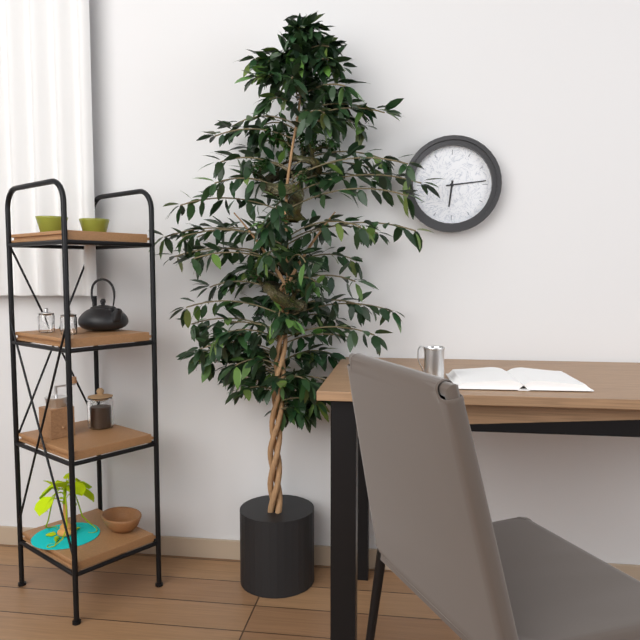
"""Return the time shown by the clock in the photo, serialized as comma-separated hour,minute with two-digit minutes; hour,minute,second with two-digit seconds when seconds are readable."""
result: 6,14
